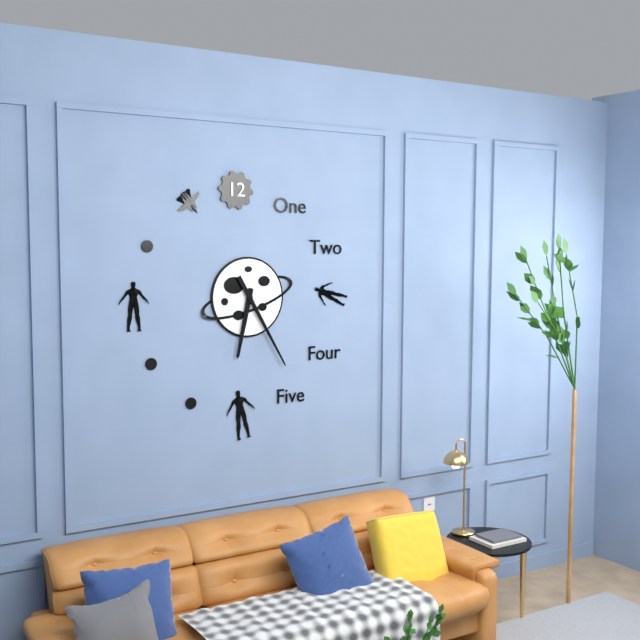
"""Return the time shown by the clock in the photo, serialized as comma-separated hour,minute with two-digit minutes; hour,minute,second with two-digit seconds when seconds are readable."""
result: 6,25
